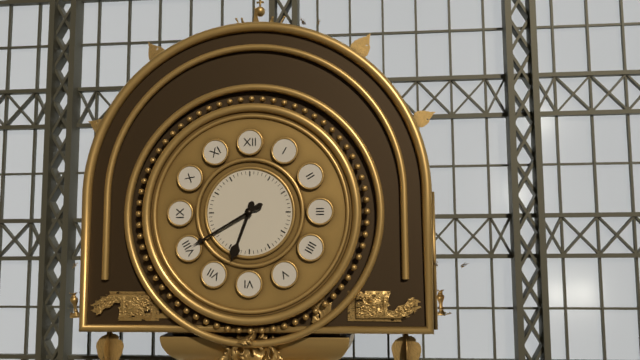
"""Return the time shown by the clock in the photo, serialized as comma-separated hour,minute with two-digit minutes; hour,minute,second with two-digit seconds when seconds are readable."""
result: 6,40
